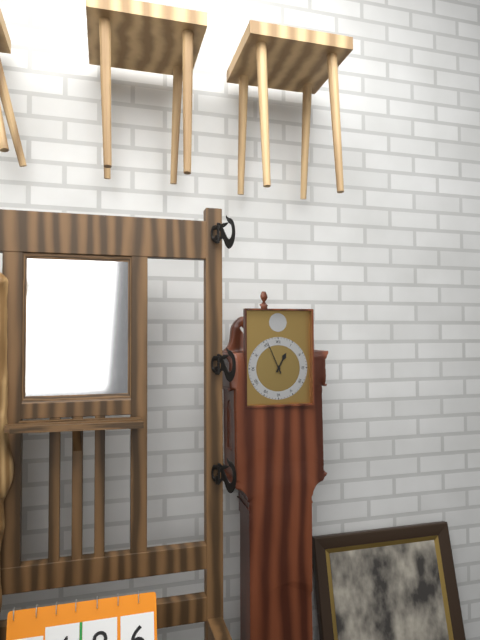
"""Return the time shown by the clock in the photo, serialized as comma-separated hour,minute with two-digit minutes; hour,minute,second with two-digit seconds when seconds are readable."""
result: 12,56
